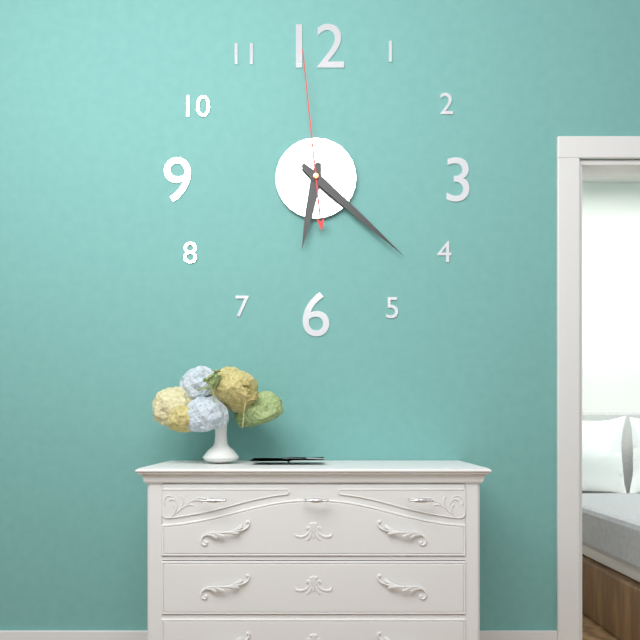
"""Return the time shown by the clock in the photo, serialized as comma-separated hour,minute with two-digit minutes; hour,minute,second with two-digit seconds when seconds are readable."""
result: 6,22,59
